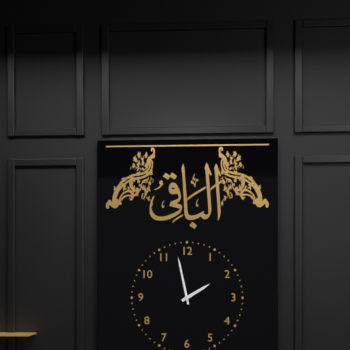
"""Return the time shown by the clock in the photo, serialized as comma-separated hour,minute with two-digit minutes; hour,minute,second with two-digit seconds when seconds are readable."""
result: 1,58
